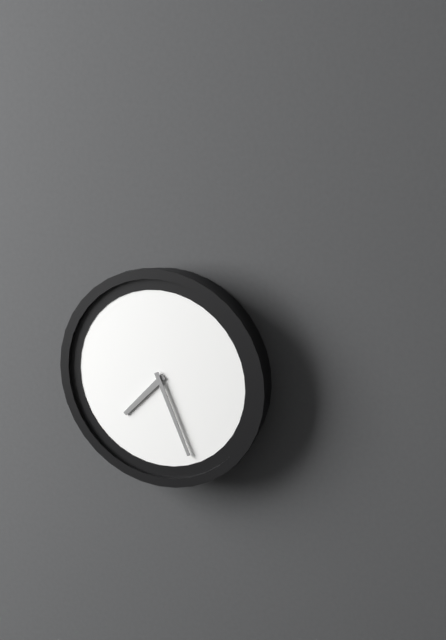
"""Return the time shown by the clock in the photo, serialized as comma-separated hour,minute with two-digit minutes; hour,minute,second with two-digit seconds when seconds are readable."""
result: 7,26
